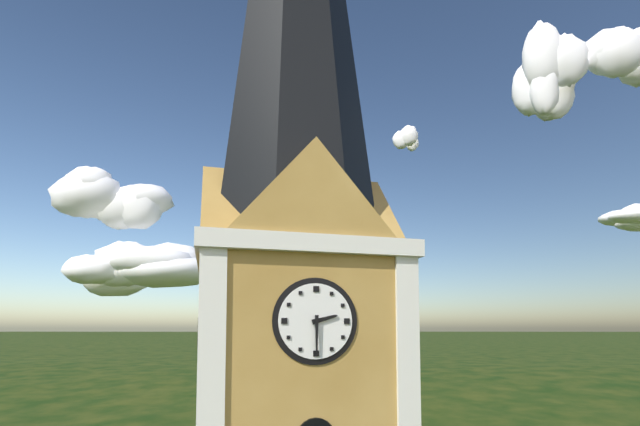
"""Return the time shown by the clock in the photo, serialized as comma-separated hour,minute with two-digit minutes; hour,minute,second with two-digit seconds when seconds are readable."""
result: 2,30
